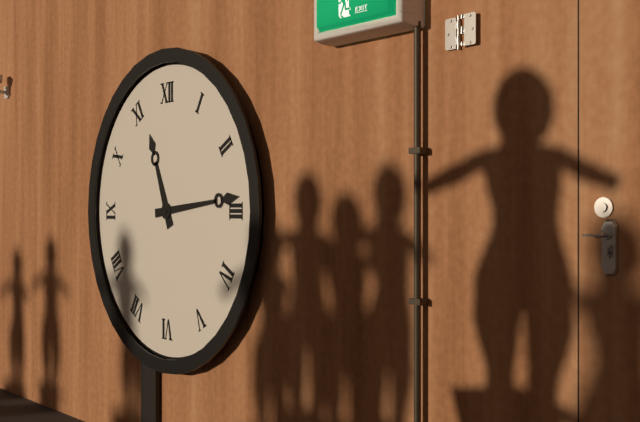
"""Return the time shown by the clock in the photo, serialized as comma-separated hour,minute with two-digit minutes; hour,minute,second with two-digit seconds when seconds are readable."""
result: 11,14
